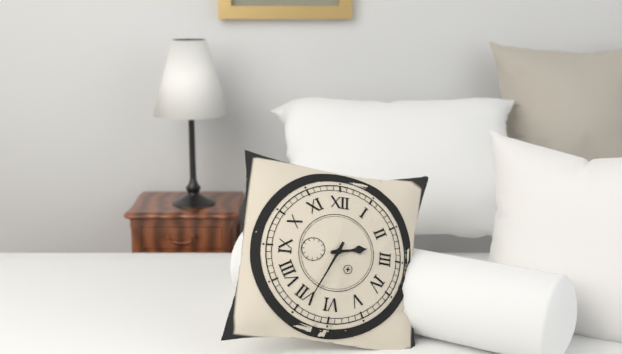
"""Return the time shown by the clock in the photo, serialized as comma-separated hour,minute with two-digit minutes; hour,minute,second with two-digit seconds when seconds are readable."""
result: 2,34
